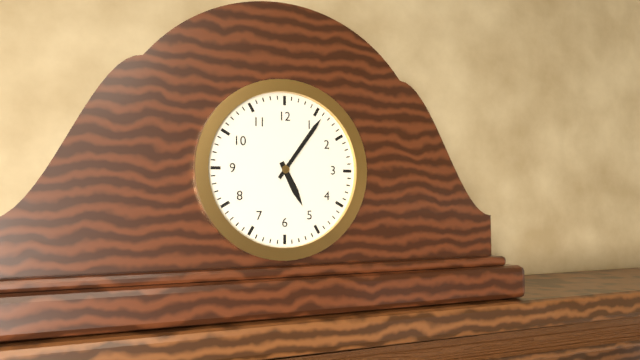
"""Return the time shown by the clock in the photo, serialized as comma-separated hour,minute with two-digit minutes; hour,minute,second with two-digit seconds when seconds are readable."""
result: 5,06
